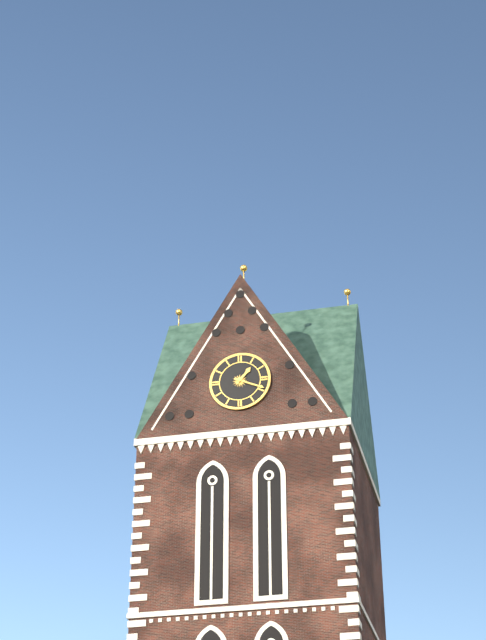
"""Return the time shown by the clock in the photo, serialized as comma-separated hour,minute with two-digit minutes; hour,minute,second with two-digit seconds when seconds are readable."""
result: 1,19
